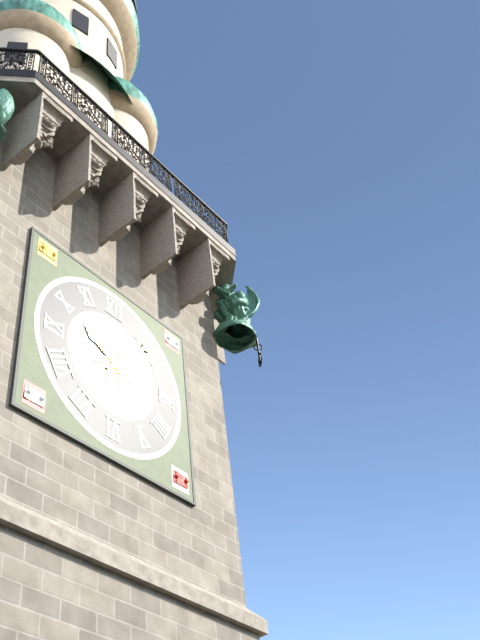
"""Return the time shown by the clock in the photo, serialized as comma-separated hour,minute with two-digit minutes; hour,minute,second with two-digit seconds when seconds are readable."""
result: 10,07
